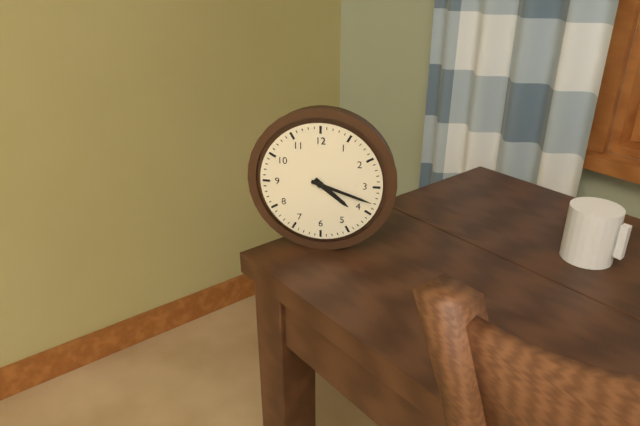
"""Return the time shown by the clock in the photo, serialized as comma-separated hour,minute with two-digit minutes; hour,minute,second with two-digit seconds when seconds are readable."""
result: 4,18
